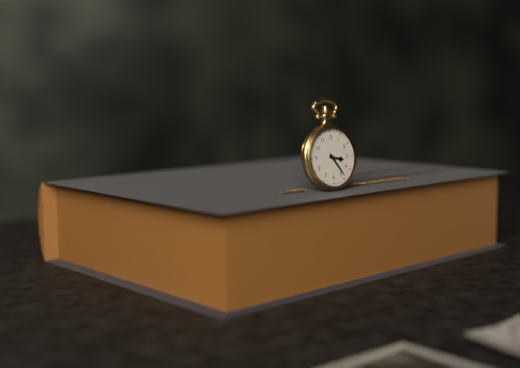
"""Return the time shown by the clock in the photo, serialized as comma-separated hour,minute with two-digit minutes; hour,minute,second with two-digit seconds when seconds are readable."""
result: 3,24
